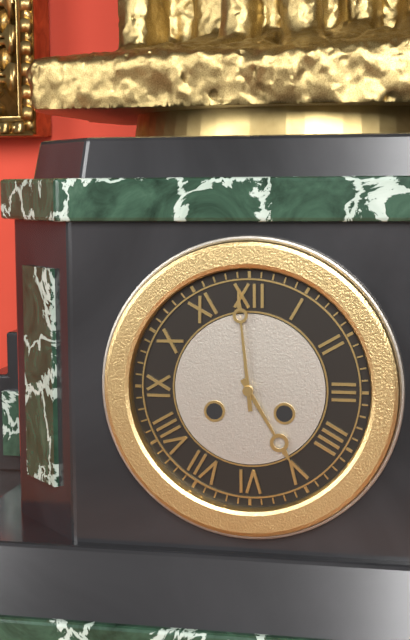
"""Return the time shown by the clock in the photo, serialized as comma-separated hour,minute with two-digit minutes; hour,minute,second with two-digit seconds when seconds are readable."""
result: 4,59
